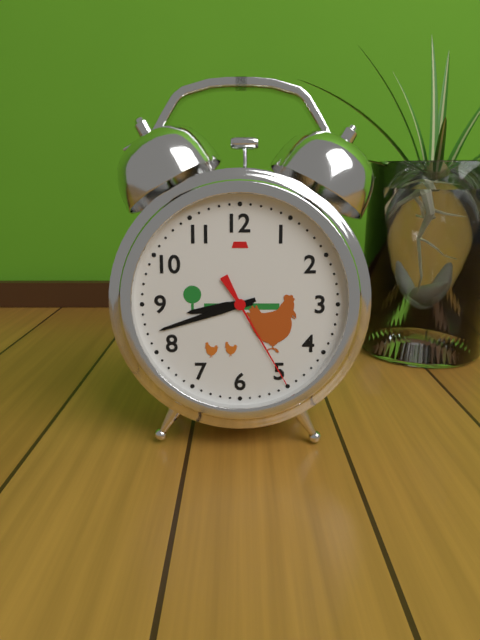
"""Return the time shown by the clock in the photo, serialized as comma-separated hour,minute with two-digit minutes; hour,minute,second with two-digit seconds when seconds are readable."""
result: 8,42,25
